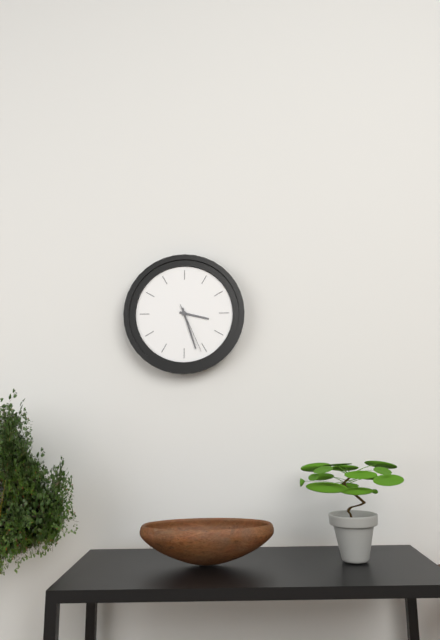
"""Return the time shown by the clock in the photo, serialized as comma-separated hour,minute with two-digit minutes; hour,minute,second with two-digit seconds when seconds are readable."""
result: 3,27,26
